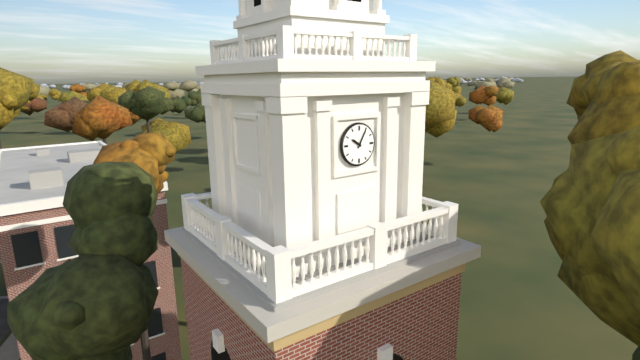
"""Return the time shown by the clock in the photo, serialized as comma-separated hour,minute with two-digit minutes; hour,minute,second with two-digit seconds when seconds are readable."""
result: 10,05
